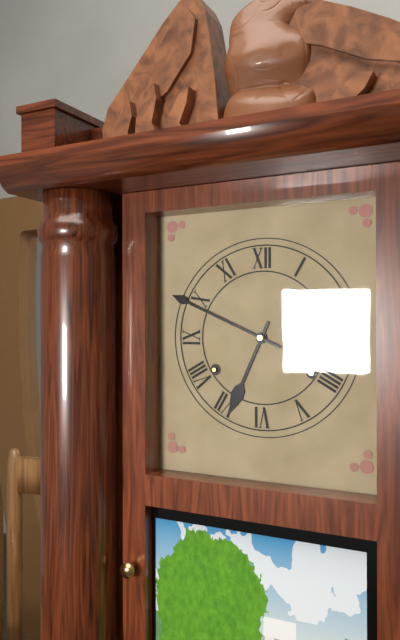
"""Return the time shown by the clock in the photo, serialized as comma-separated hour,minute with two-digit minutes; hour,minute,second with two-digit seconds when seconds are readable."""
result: 6,49
